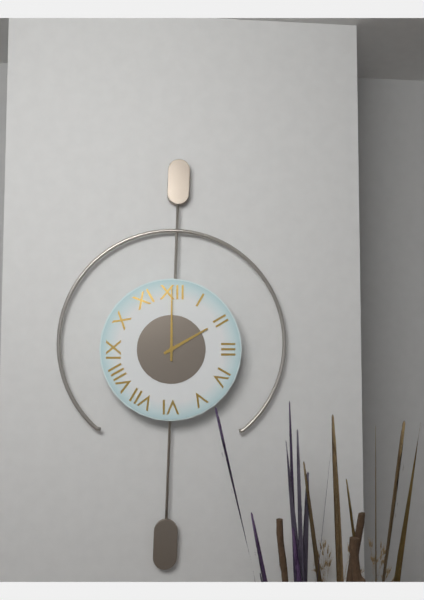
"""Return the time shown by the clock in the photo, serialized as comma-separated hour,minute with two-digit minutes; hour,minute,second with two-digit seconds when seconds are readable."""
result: 2,00
